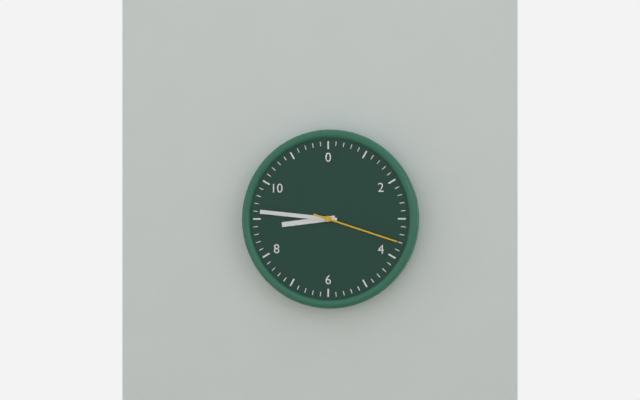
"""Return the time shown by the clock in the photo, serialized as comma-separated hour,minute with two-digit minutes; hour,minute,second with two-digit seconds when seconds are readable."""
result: 8,46,18
